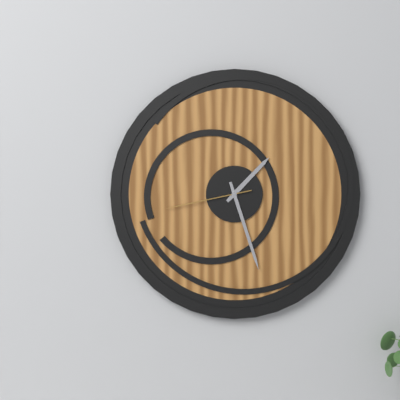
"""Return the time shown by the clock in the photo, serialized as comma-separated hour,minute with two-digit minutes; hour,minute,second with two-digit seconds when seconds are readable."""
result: 1,27,43
